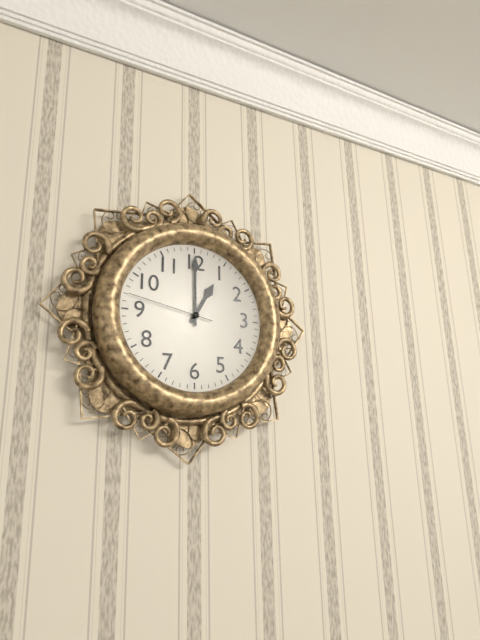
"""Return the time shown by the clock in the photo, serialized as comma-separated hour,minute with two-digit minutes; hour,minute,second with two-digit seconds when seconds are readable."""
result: 1,00,47
